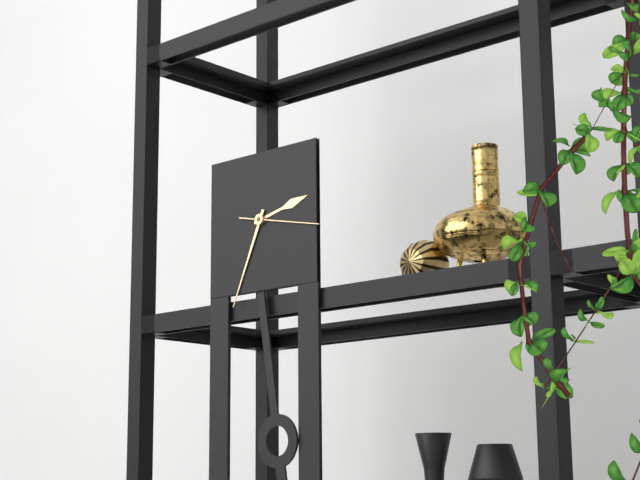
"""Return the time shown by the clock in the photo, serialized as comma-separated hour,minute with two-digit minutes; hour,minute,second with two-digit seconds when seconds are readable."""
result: 2,34,17
